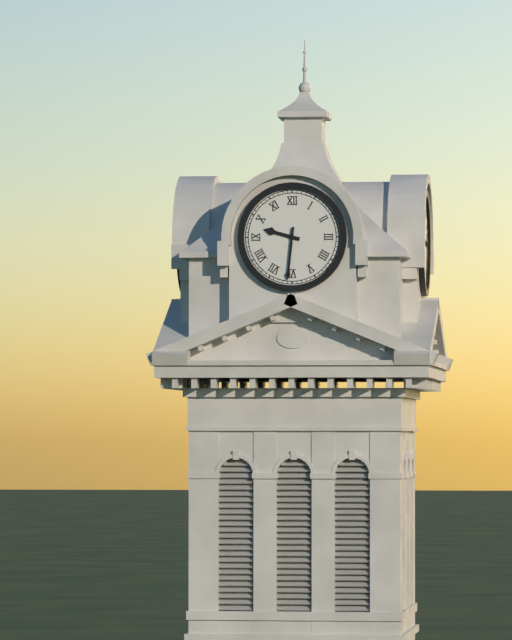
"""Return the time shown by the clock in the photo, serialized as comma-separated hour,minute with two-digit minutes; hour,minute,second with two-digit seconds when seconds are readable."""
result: 9,31
